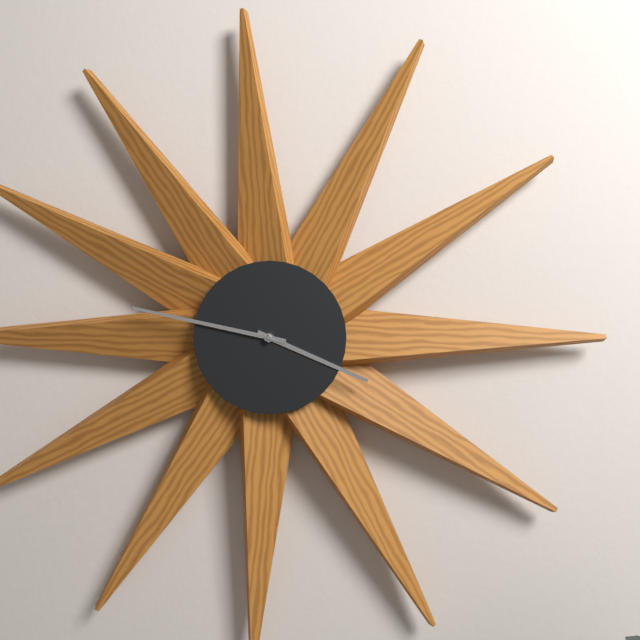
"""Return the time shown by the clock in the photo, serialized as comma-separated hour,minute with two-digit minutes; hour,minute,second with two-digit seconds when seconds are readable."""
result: 3,47
